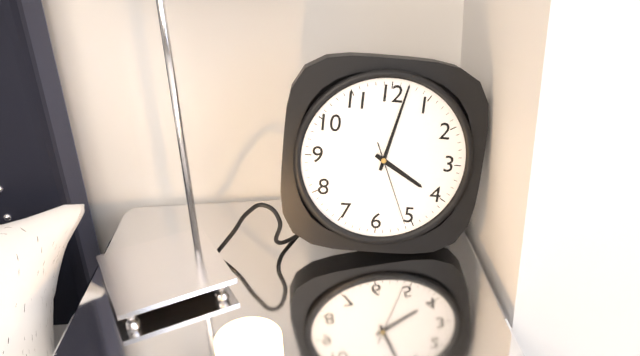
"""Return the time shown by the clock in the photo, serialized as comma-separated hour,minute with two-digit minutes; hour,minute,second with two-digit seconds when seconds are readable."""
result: 4,02,26
